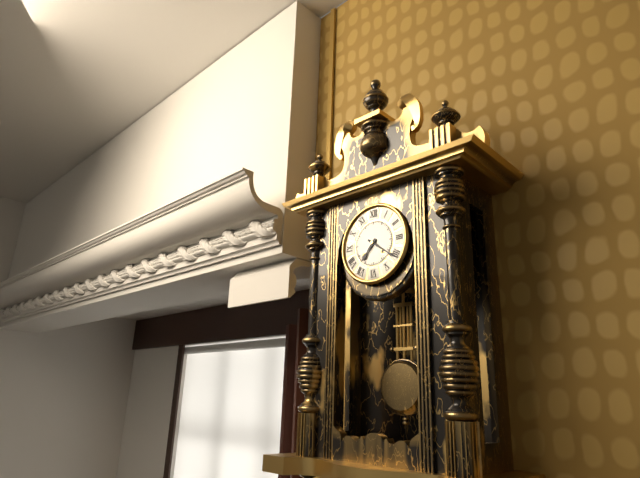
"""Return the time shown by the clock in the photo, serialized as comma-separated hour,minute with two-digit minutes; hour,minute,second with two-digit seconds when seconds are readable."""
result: 7,21
